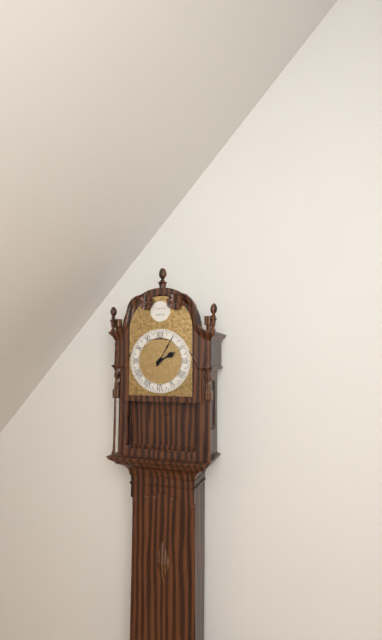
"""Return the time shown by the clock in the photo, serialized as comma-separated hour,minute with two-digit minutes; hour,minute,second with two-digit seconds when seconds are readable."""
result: 2,05
